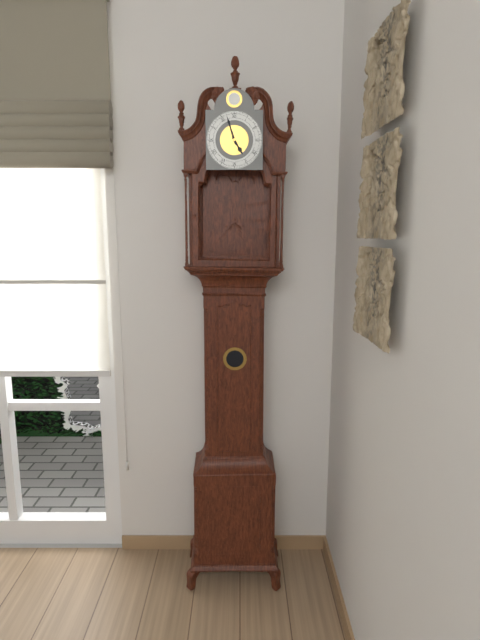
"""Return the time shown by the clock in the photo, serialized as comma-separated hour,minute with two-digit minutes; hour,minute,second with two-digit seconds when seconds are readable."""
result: 4,57
